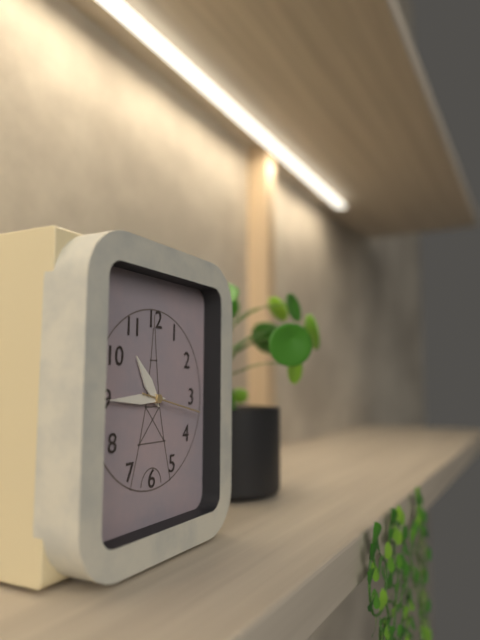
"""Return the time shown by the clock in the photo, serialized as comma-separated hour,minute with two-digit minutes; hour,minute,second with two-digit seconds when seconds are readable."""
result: 10,45,17
